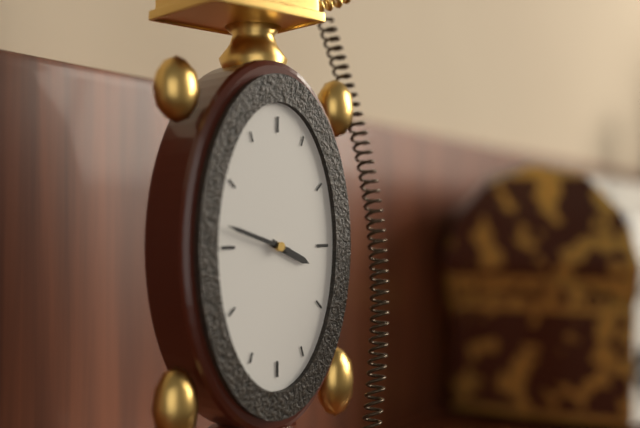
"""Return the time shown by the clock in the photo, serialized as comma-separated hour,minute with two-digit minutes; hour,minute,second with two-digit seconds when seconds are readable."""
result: 3,48
